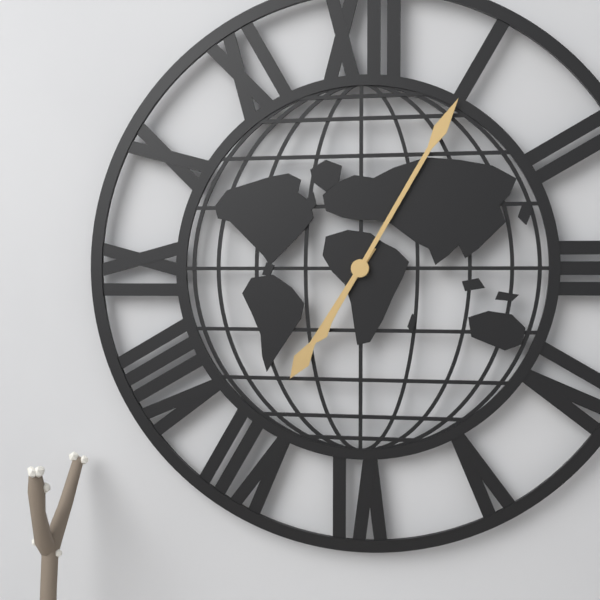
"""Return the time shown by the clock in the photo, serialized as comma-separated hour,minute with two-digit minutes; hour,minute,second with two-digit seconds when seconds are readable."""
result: 7,05
